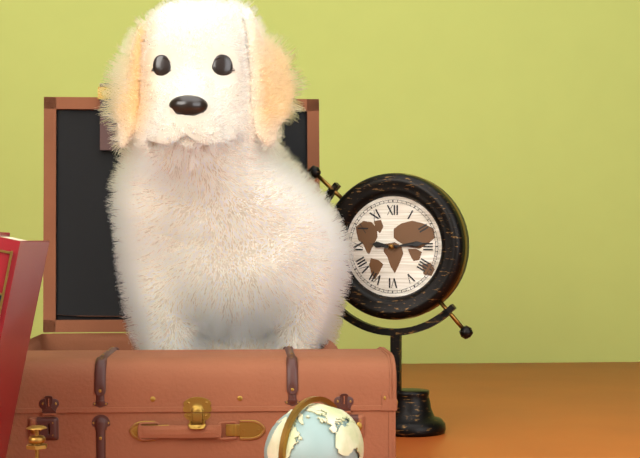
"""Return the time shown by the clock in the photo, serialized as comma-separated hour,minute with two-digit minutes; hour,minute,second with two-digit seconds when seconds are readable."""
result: 9,14
